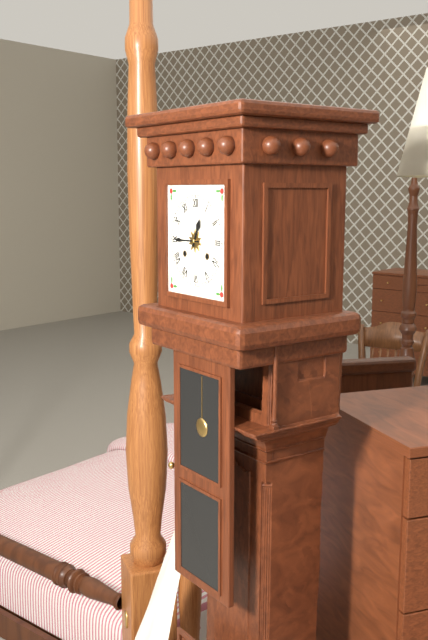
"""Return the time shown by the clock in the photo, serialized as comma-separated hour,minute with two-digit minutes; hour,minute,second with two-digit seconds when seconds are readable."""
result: 12,45
